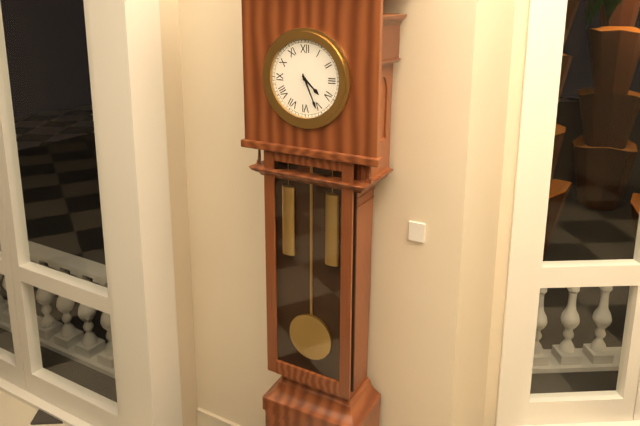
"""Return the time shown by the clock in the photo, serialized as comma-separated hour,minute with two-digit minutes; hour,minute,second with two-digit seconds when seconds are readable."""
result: 4,26
